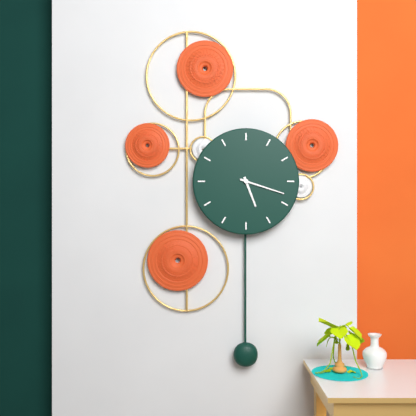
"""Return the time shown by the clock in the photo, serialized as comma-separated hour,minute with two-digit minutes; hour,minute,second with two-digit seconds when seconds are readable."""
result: 5,18
